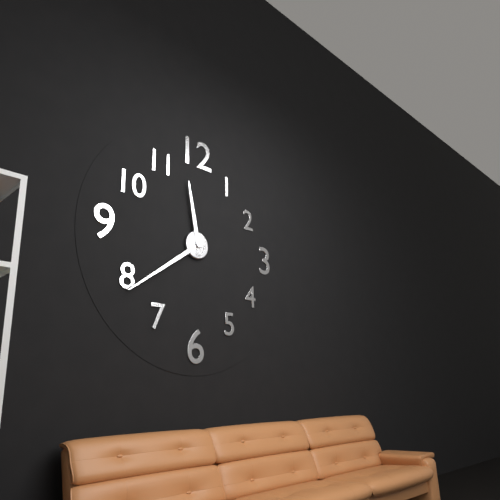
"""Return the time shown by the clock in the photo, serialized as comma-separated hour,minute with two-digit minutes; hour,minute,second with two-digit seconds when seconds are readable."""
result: 11,39
